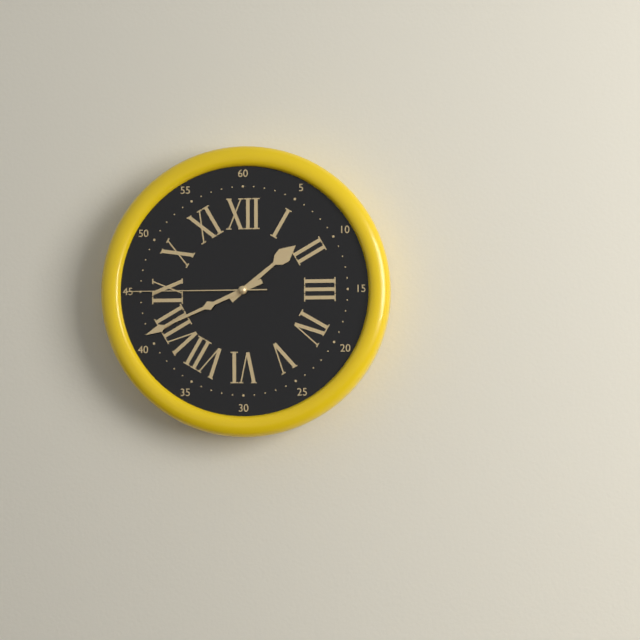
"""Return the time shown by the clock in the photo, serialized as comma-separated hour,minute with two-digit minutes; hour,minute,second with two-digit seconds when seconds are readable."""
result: 1,41,45
